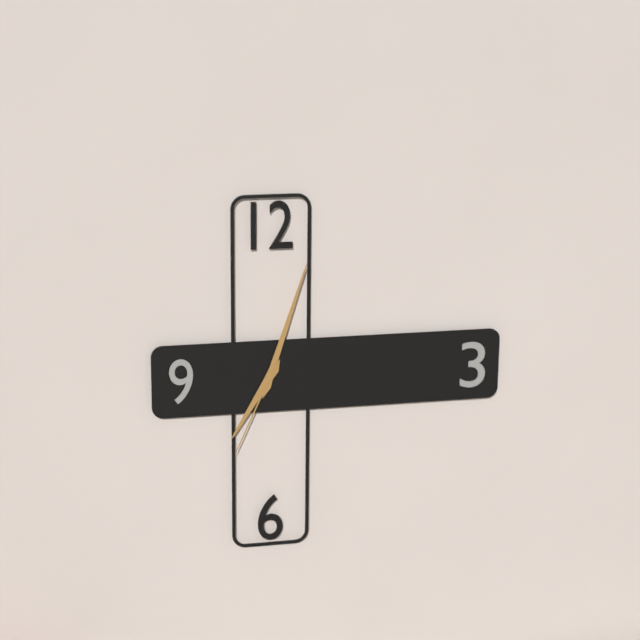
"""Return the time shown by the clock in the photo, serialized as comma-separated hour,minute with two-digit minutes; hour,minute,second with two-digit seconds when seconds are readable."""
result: 7,03,34
